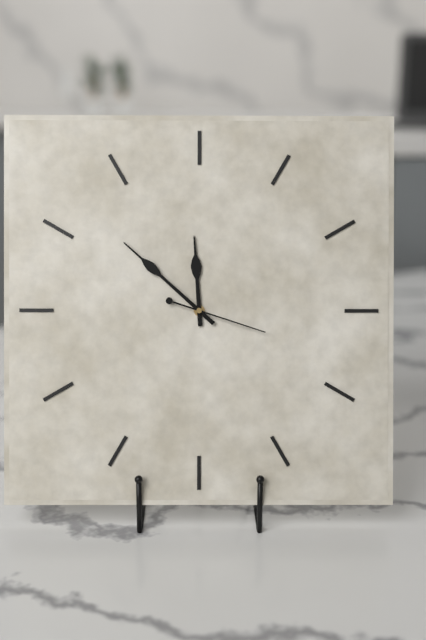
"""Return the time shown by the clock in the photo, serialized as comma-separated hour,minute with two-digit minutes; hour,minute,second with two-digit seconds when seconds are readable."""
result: 11,52,18
